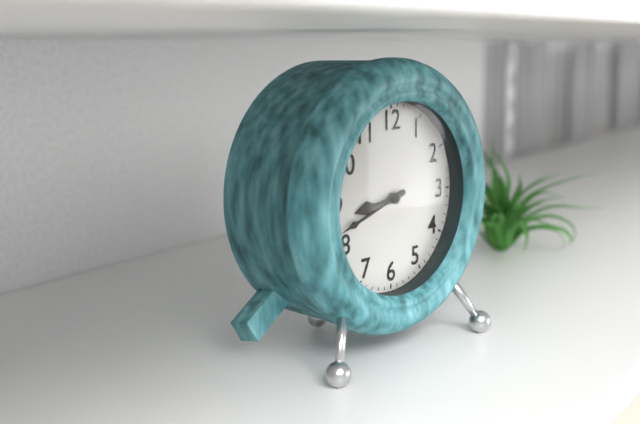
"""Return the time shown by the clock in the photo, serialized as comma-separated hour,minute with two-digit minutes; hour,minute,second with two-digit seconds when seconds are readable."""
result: 8,42
